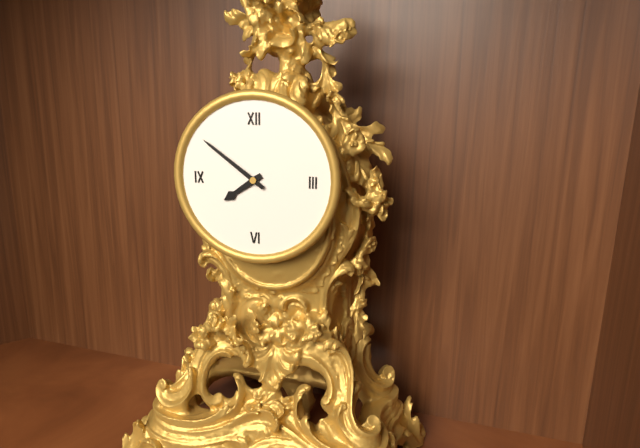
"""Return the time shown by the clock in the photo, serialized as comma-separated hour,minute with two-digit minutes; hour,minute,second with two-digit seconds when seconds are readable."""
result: 7,51
